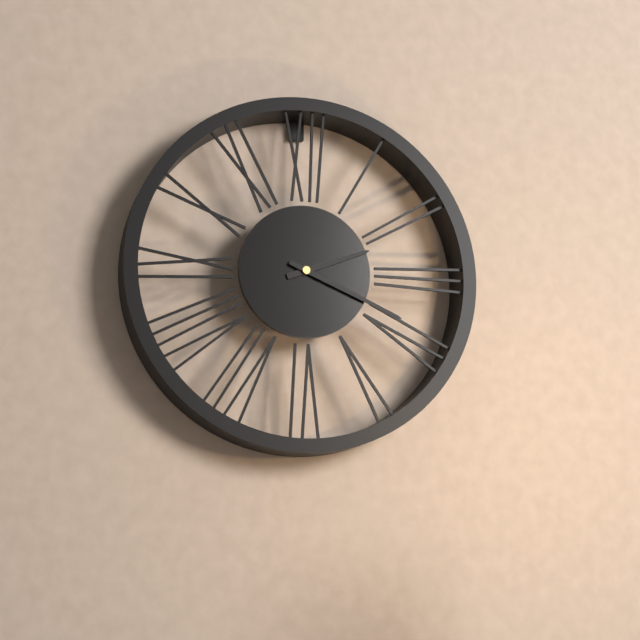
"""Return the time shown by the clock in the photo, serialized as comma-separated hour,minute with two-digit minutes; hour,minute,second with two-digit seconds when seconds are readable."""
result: 2,19
